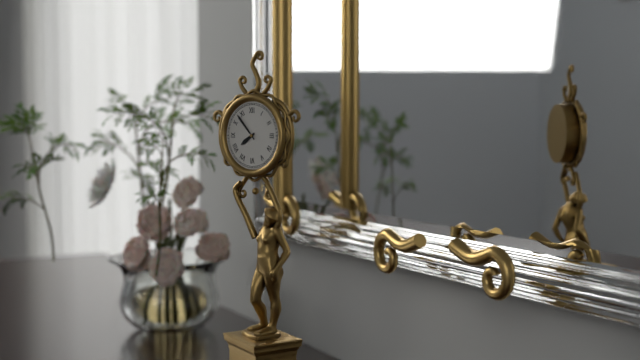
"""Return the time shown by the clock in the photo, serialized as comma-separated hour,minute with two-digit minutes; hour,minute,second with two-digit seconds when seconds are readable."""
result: 7,53
